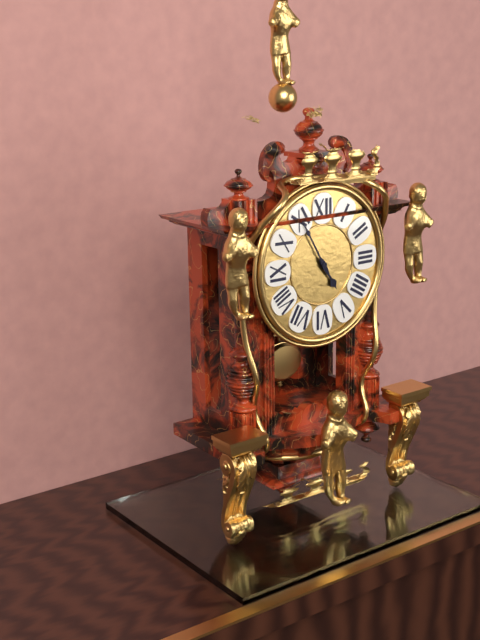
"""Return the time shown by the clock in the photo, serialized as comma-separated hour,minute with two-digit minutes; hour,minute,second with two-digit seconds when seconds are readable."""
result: 4,55
